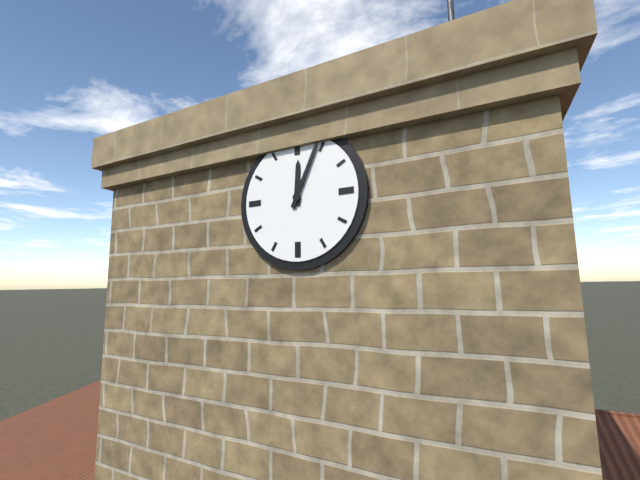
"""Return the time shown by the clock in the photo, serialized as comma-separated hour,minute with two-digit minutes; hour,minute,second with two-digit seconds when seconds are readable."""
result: 12,04
